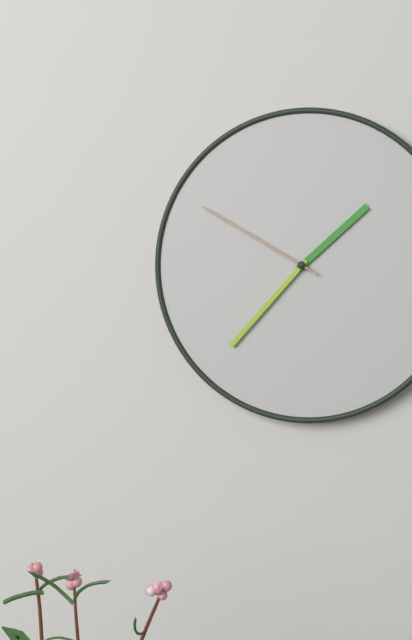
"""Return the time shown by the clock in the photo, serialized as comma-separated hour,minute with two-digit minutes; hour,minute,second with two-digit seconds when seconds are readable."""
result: 1,37,50
